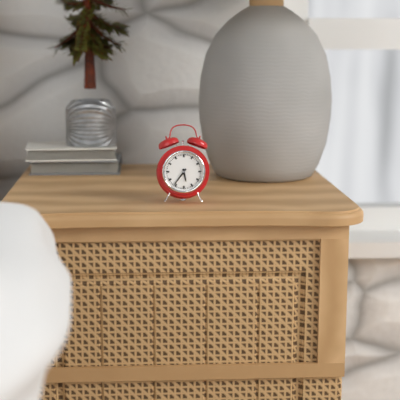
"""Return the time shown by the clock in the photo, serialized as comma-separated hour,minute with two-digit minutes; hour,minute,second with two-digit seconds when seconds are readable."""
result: 5,36
